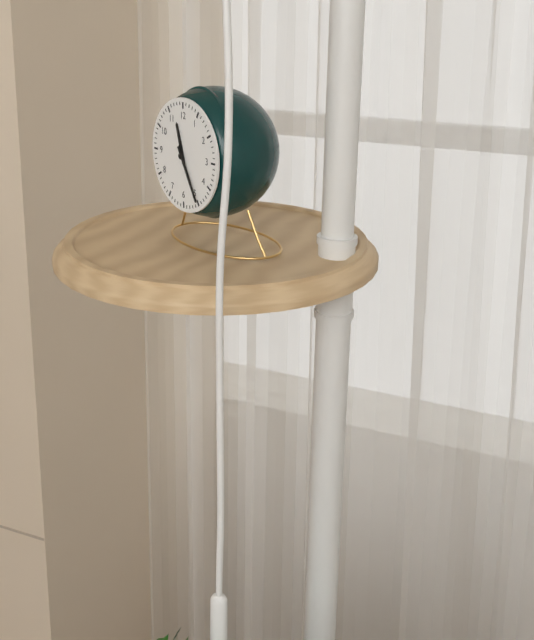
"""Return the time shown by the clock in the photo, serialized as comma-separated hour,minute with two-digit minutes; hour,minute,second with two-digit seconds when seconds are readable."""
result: 11,25
